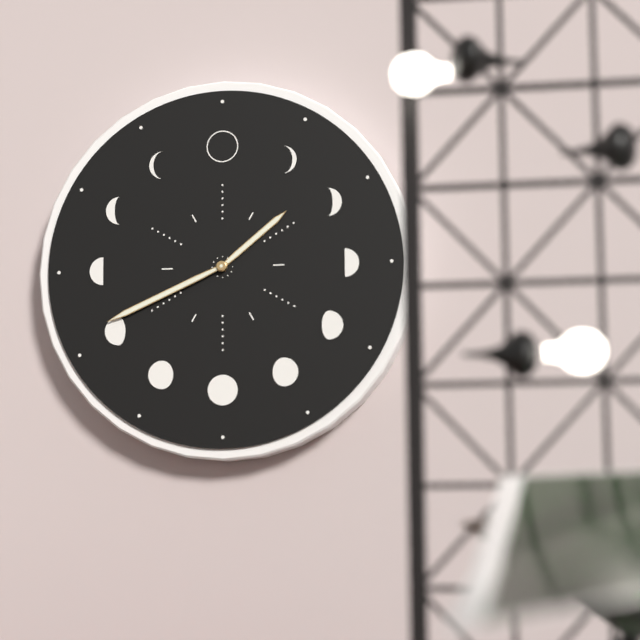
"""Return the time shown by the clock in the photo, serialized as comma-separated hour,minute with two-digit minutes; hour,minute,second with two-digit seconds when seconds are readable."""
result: 1,41
